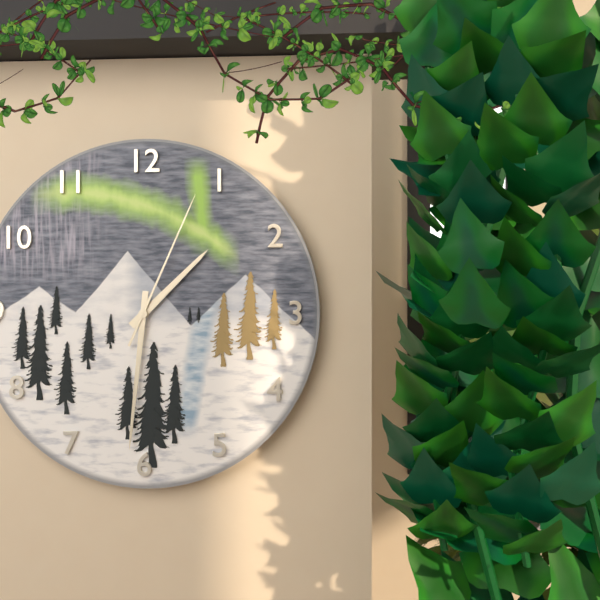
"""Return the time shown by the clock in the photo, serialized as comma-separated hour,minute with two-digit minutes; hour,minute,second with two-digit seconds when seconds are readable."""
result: 1,31,04
